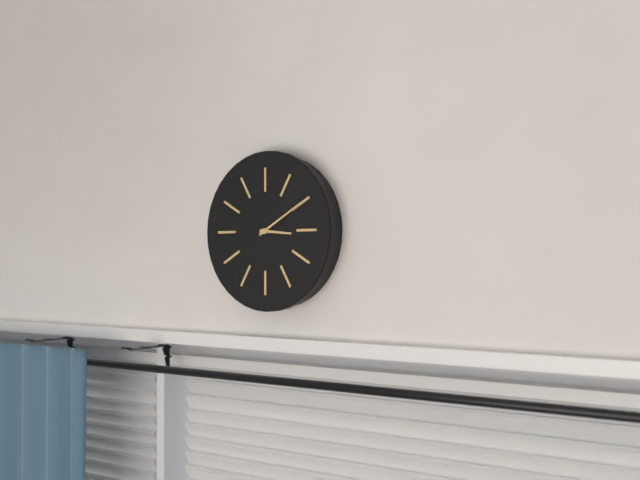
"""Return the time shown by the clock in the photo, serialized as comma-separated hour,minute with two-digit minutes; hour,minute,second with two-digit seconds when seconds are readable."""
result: 3,10
